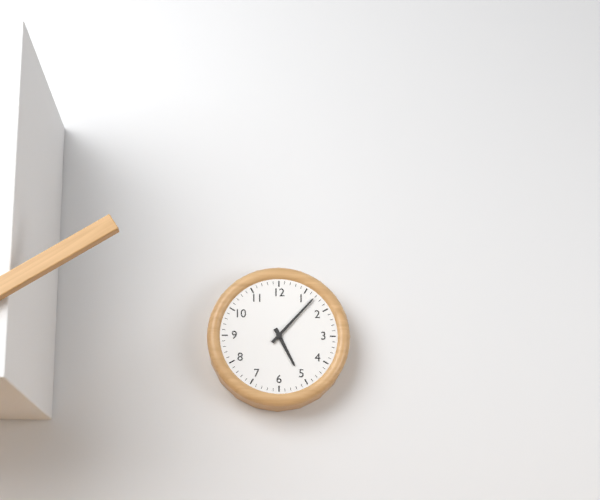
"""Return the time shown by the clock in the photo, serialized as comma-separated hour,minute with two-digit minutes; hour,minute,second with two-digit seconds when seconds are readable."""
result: 5,07
